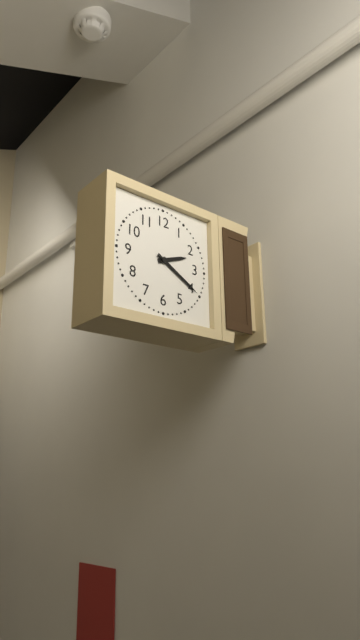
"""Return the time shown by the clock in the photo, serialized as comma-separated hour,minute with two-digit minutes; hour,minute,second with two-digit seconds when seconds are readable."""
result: 2,20
